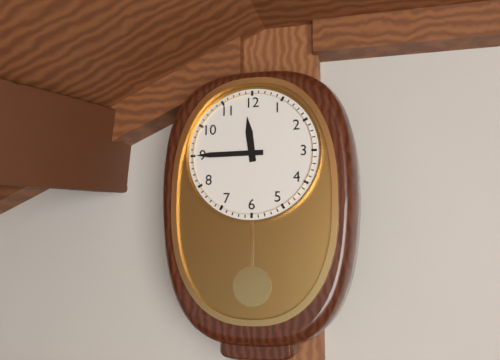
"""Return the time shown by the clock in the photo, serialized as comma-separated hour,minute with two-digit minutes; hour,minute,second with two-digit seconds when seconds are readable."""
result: 11,45
